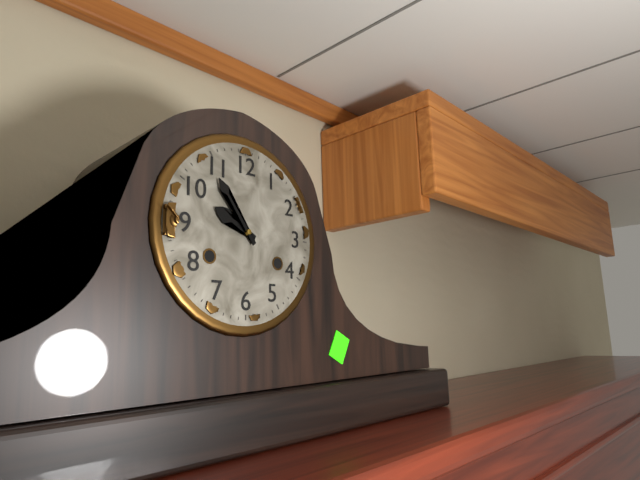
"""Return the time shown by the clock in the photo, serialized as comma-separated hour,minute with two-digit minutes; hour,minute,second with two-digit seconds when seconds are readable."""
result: 9,54
